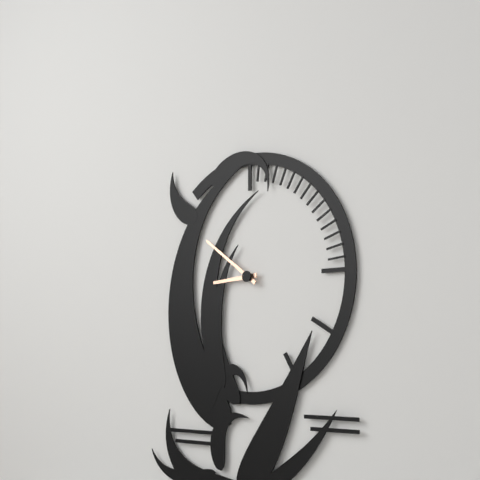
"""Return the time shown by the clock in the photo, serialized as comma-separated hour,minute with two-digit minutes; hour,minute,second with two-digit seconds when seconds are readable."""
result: 8,51
